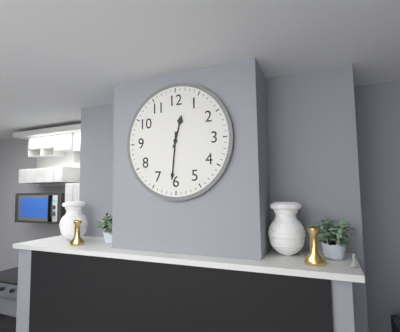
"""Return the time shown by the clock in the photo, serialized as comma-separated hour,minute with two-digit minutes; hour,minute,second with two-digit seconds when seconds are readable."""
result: 12,31
